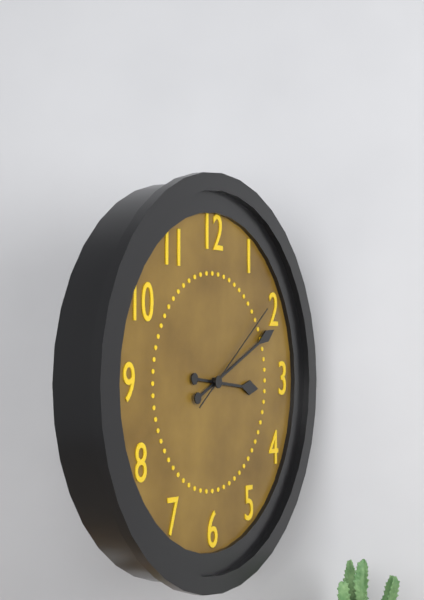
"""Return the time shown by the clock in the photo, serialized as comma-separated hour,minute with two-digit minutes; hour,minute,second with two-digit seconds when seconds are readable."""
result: 3,11,09
